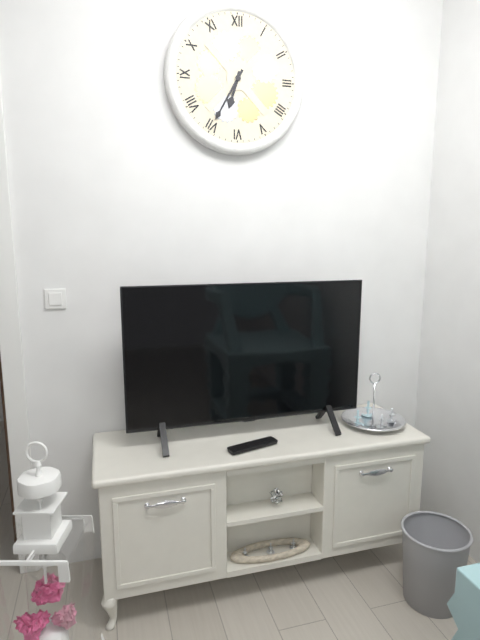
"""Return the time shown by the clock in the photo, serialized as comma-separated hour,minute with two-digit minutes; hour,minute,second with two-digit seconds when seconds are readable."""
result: 6,35
